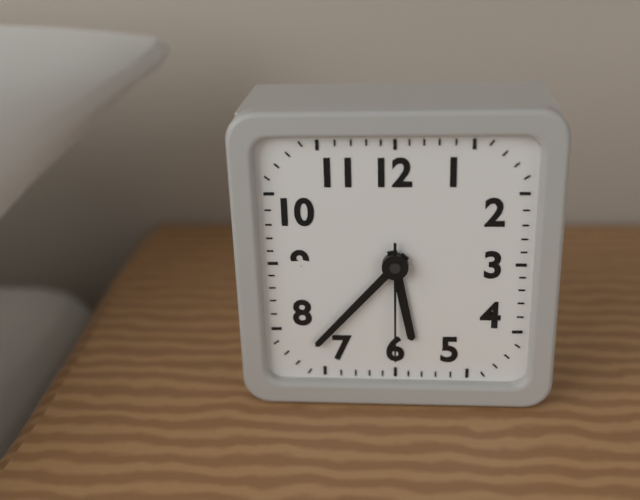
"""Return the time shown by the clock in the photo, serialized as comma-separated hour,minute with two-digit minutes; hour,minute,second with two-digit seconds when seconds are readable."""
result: 5,37,30
